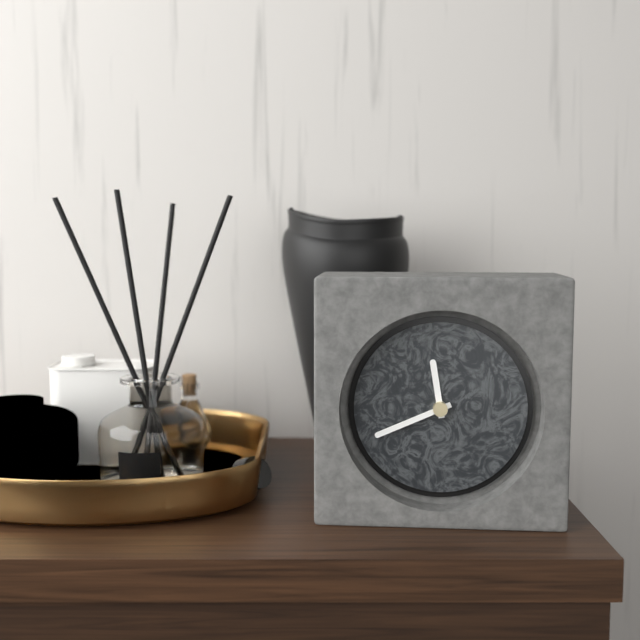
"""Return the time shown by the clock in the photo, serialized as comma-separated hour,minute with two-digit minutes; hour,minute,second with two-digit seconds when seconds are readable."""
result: 11,41
